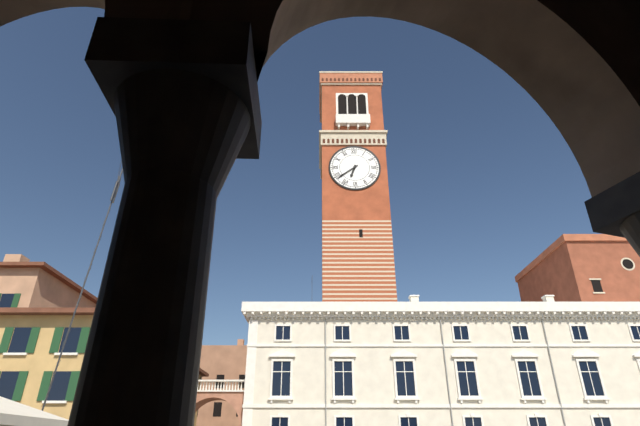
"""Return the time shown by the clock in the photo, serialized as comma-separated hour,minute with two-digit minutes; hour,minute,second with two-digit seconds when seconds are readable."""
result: 6,39
